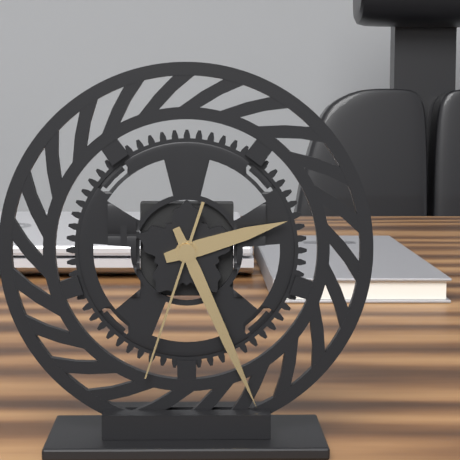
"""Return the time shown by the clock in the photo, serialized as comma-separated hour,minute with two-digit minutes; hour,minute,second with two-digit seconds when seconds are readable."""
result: 2,26,33
